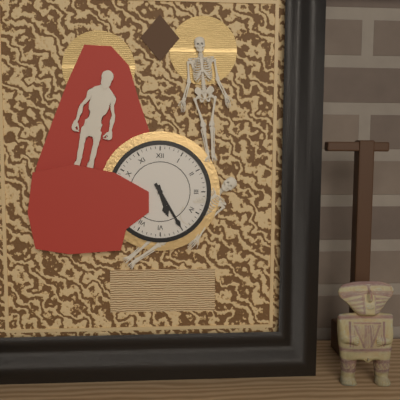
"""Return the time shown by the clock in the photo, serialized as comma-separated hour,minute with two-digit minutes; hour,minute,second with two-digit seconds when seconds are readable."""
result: 5,25
